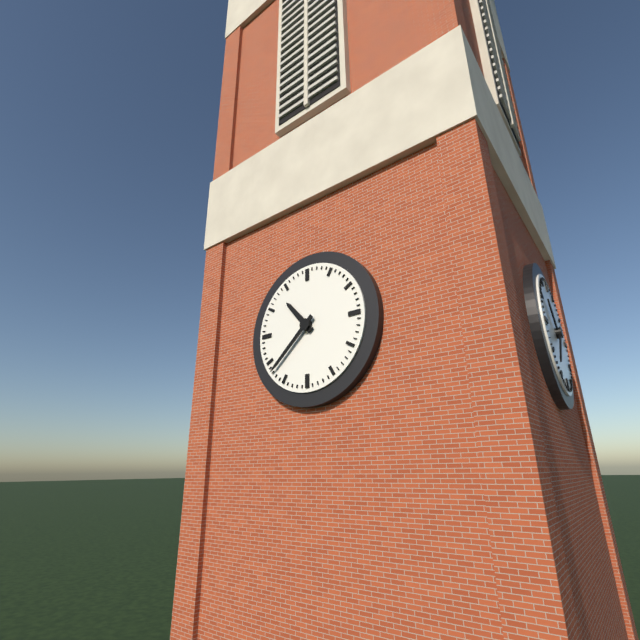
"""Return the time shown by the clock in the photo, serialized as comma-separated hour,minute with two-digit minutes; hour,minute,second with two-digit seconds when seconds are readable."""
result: 10,38
